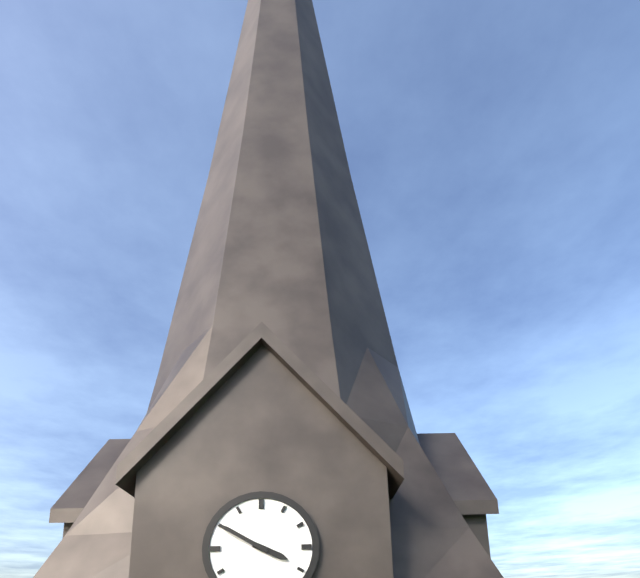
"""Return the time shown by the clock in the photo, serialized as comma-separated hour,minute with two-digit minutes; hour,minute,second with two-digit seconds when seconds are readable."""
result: 3,50
